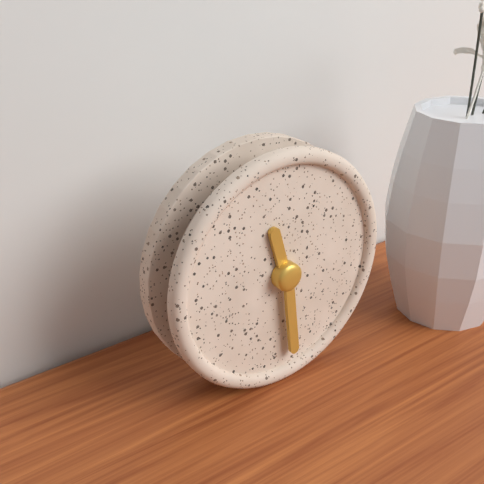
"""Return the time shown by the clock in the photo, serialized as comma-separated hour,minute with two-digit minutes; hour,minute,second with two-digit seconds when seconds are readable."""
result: 11,29
